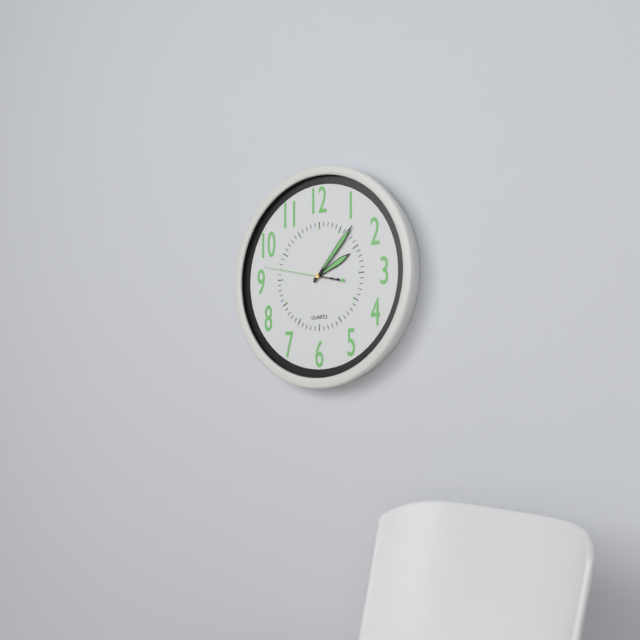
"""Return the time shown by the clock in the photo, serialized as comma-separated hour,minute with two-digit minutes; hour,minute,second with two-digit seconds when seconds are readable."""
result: 2,07,47
